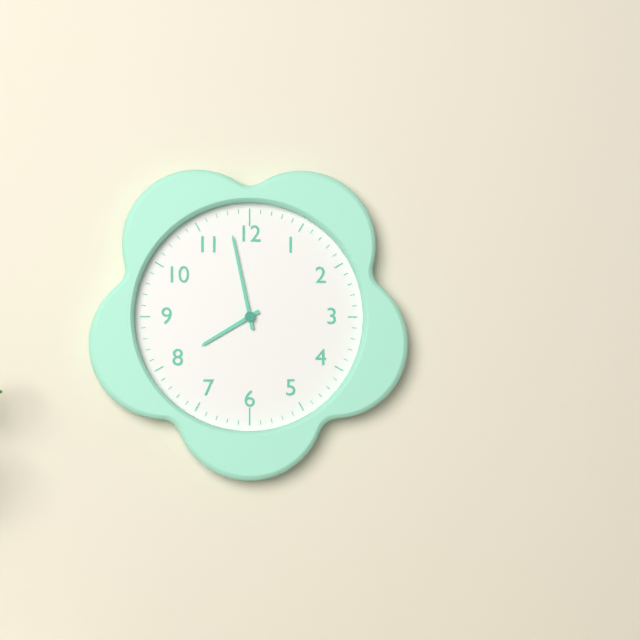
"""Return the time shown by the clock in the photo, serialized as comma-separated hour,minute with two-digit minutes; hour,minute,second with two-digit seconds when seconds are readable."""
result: 7,58
